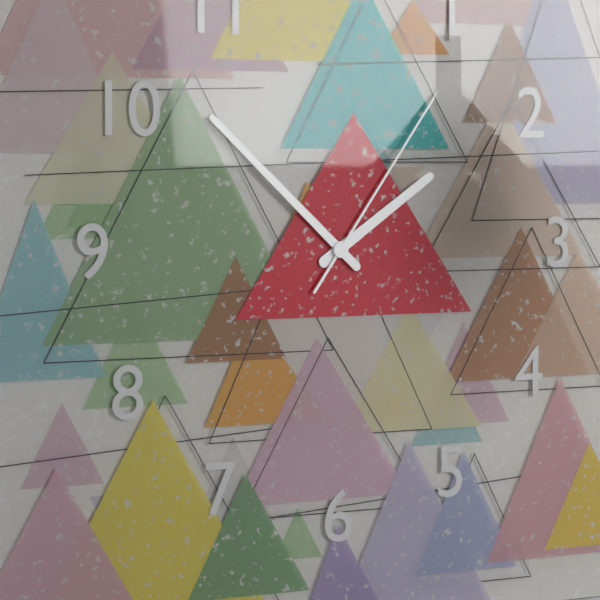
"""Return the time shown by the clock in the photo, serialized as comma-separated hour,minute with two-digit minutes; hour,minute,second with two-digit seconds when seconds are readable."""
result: 1,52,06
